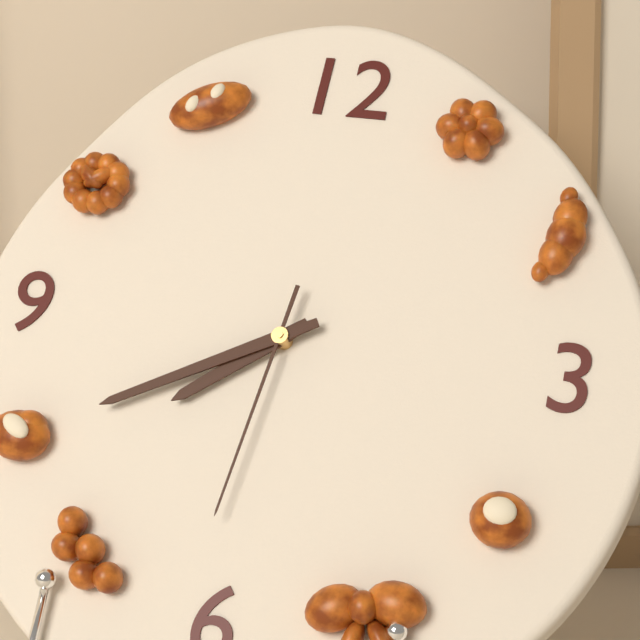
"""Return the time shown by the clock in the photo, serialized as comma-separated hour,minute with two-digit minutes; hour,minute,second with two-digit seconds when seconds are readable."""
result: 7,40,31
